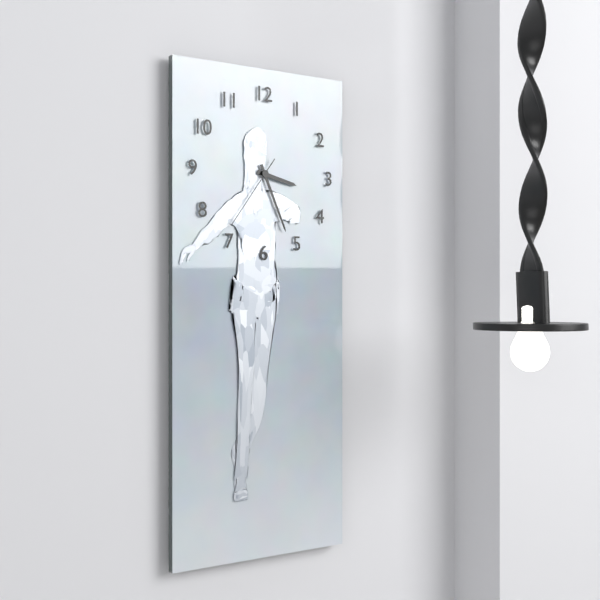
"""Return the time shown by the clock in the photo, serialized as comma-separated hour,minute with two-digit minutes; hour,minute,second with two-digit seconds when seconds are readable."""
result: 3,26,36
